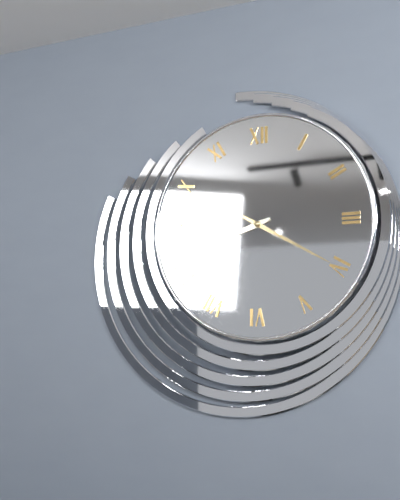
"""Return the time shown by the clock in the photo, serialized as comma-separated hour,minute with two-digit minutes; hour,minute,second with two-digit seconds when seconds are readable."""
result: 8,20
